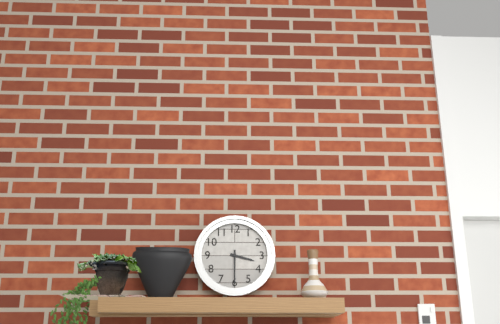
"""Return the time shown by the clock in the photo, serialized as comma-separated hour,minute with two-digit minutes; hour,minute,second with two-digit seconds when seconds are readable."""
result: 3,30
